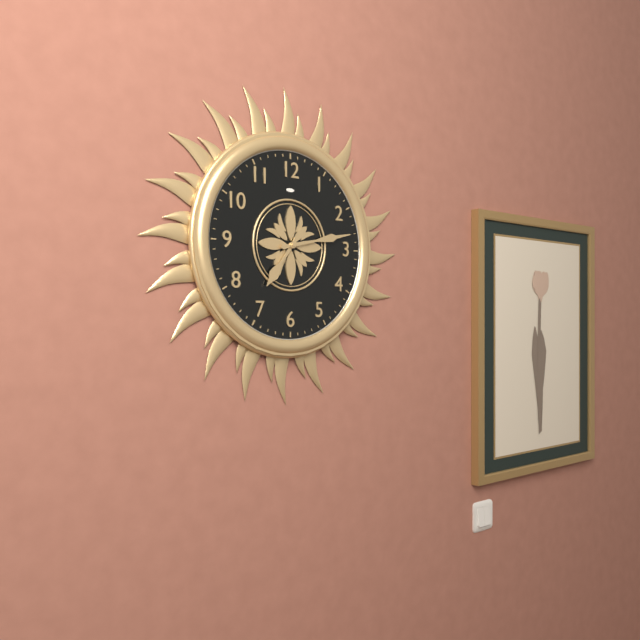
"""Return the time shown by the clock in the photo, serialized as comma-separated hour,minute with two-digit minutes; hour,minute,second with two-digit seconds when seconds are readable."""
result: 7,13
